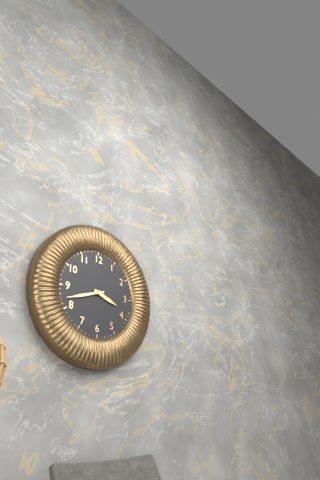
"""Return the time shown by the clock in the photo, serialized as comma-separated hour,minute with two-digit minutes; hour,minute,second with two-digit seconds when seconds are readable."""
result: 3,42
